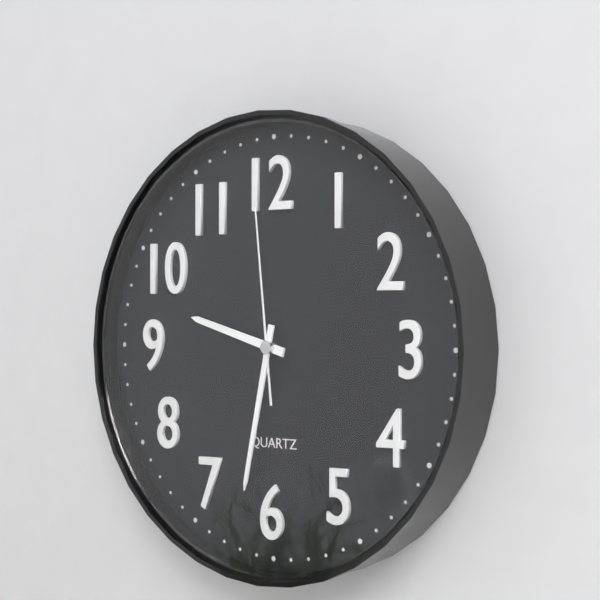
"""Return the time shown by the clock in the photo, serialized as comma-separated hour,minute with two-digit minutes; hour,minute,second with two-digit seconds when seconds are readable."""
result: 9,32,59
